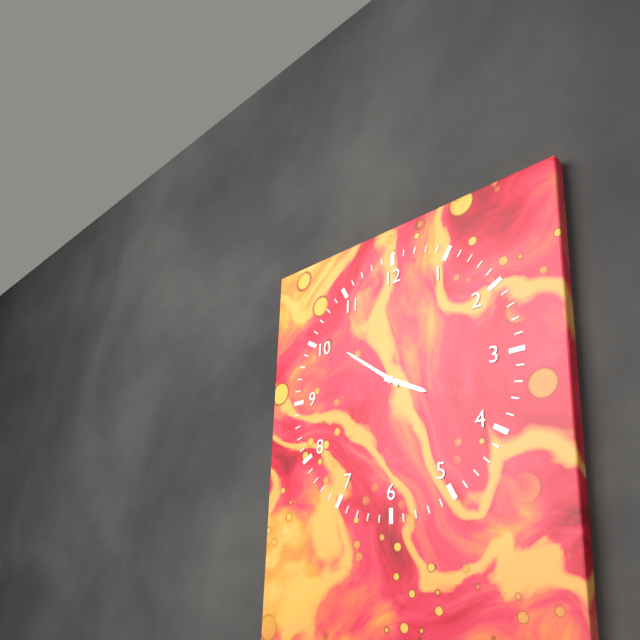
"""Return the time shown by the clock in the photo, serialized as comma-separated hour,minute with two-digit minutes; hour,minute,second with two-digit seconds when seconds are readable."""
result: 3,51
